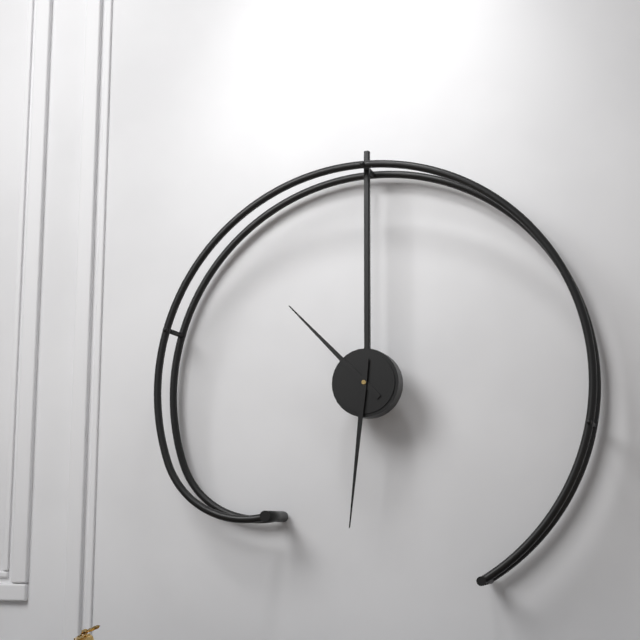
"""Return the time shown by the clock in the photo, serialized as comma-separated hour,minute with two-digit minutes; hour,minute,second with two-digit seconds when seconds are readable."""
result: 10,31
